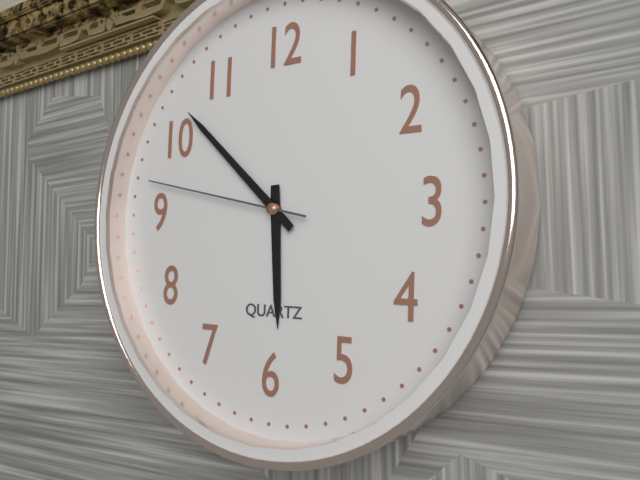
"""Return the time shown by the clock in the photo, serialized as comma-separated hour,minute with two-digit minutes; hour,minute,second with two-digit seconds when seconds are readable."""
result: 5,52,47
